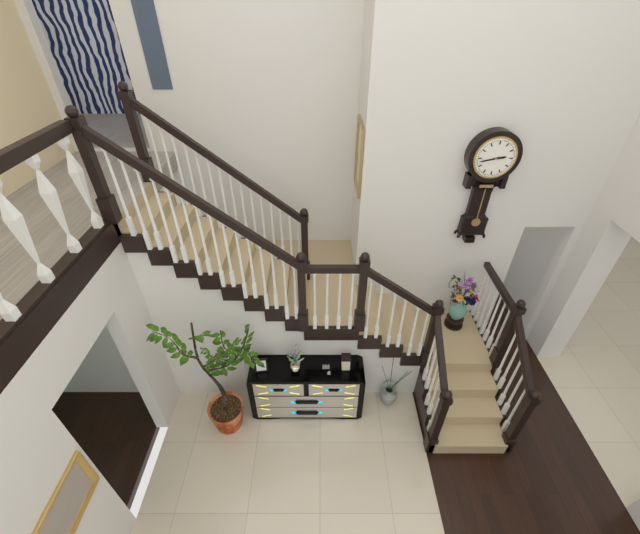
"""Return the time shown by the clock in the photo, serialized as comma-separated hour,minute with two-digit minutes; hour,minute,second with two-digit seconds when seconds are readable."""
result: 2,43
